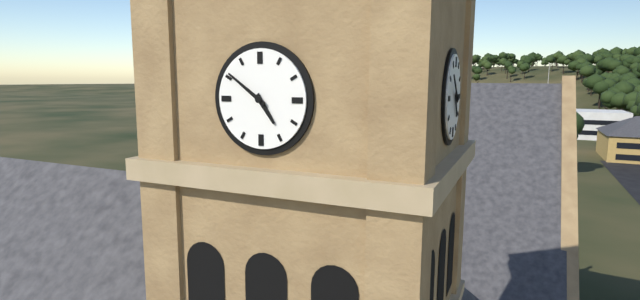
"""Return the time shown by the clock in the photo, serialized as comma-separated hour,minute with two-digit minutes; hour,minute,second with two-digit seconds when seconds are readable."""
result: 4,51
